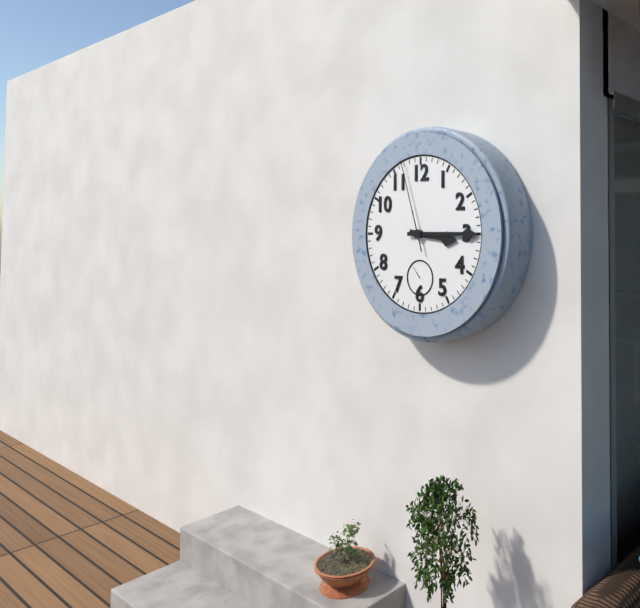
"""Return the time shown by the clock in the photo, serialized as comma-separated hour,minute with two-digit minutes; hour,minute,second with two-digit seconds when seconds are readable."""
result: 3,15,57
